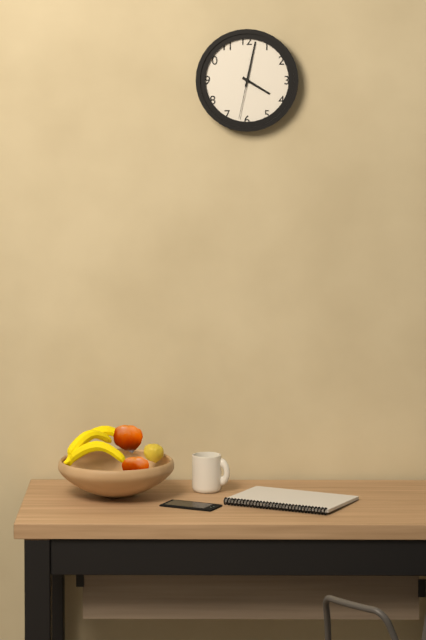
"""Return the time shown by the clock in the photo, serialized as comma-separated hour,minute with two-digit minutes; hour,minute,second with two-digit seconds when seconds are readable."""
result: 4,02
